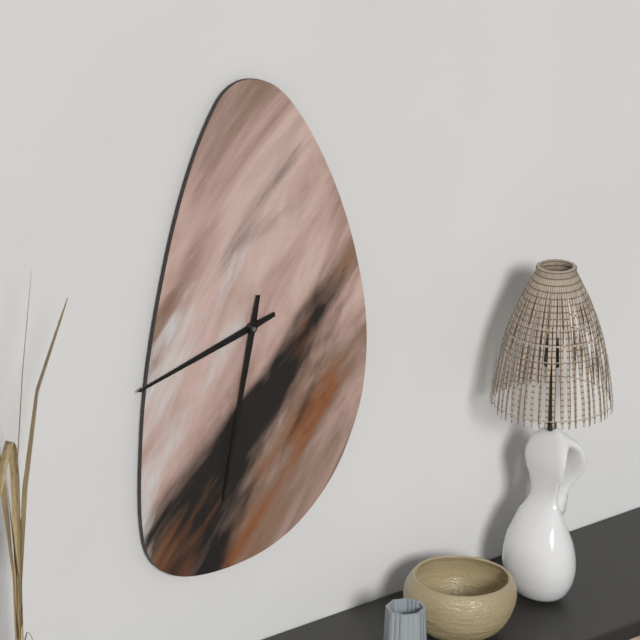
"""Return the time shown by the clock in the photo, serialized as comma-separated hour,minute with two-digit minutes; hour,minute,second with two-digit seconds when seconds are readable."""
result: 8,32
